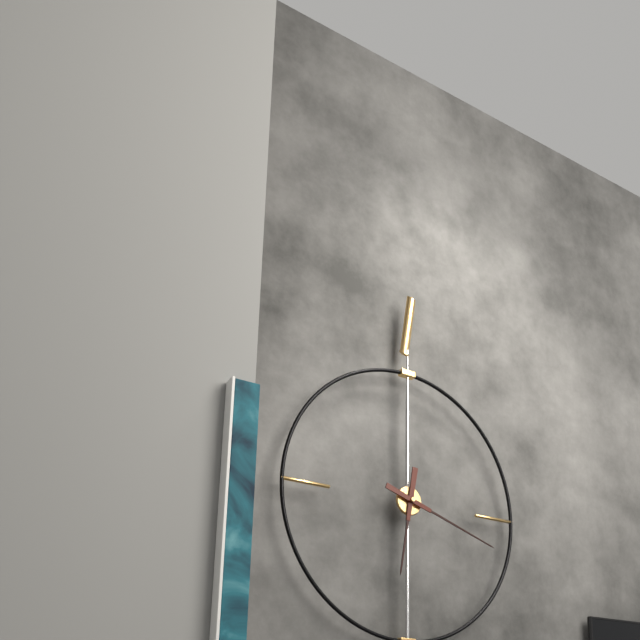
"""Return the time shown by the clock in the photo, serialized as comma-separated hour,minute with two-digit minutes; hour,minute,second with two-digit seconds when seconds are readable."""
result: 6,18
